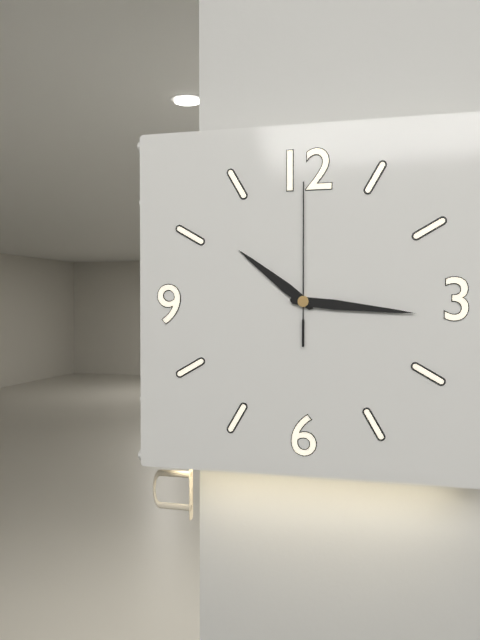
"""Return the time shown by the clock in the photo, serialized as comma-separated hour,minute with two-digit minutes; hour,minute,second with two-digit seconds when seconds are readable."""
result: 10,16,00
